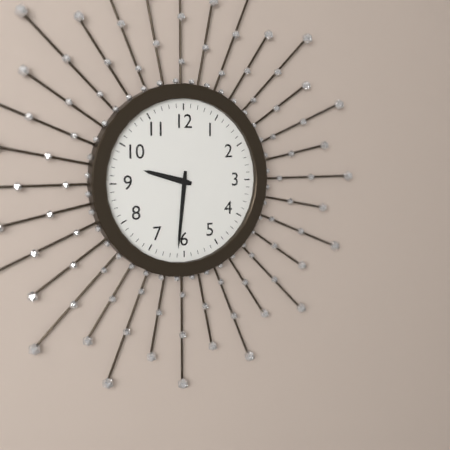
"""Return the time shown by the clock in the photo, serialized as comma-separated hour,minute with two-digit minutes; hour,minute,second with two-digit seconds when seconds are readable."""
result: 9,31
